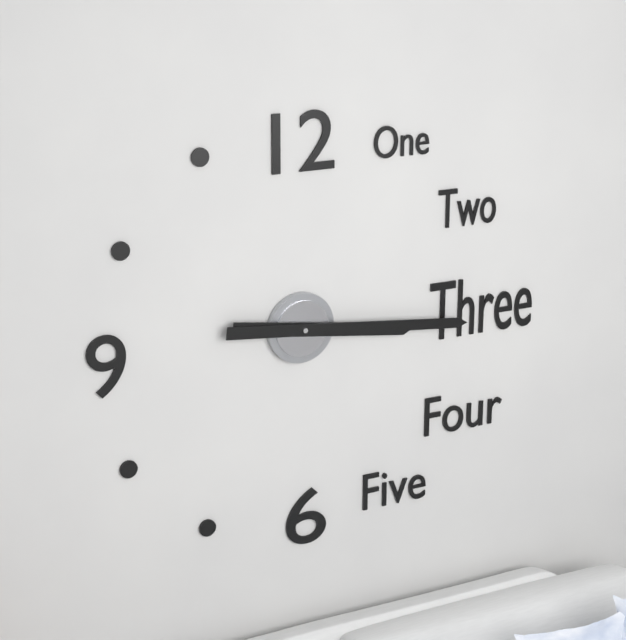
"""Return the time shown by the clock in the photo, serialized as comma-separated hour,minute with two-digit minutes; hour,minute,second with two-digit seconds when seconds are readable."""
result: 3,16
